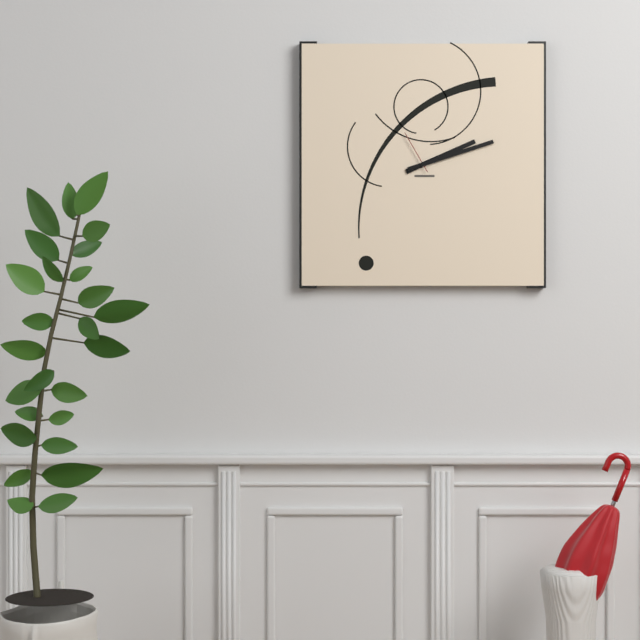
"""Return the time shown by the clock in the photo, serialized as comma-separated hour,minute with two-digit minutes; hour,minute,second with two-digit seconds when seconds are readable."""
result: 2,12
